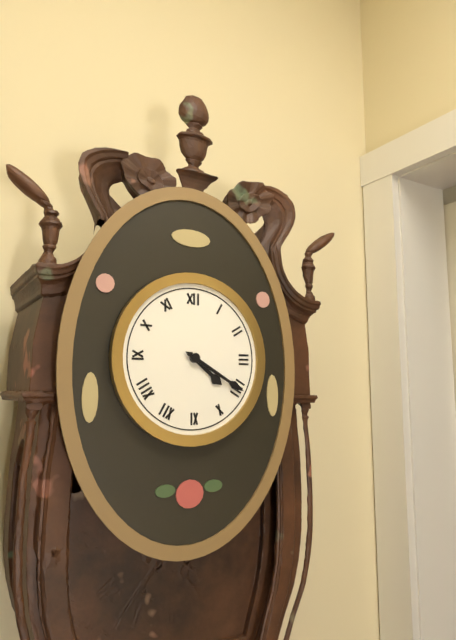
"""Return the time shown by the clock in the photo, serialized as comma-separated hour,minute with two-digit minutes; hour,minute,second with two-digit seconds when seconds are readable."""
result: 4,20
